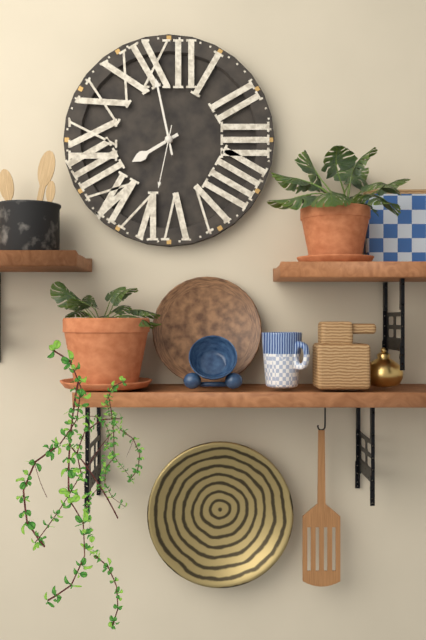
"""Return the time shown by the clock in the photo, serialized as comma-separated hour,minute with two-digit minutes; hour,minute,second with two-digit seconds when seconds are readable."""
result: 7,58,32
